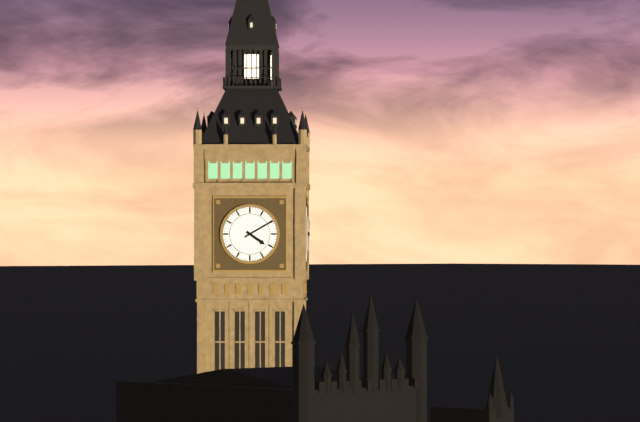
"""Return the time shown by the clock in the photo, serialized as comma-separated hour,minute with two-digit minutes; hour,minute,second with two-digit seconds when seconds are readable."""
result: 4,10
